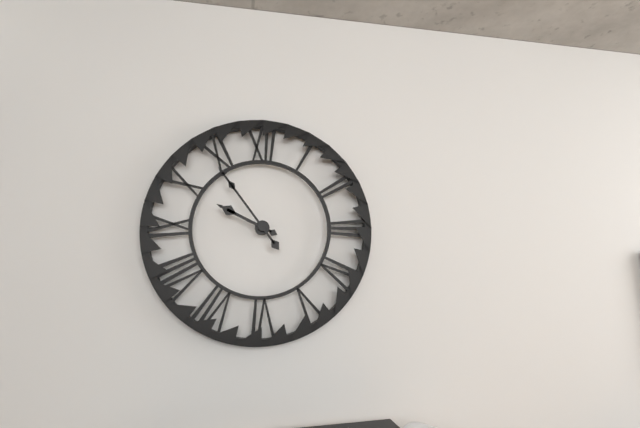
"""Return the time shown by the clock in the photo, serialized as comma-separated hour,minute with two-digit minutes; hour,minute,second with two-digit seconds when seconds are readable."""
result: 9,54
